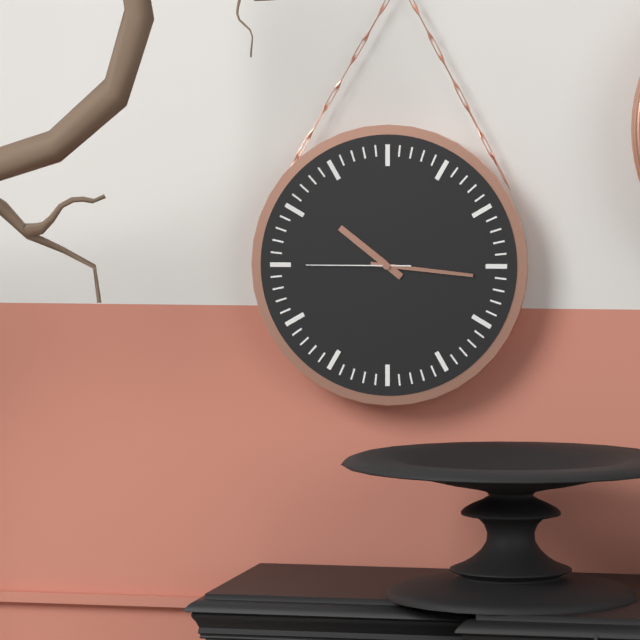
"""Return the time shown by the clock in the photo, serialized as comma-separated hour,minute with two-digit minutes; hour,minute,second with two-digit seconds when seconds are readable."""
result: 10,16,45
